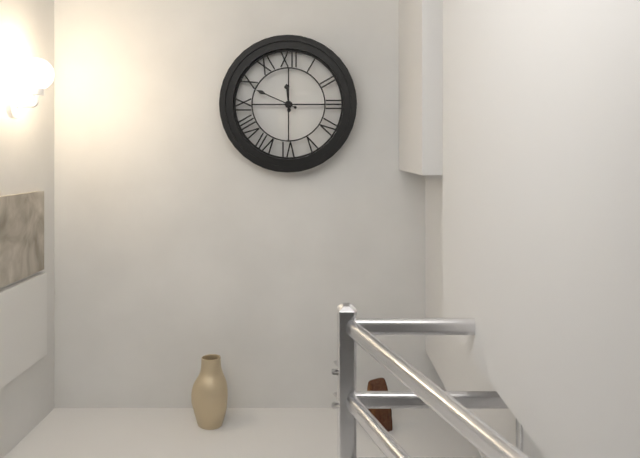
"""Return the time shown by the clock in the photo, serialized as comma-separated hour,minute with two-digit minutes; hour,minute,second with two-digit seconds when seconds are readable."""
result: 11,49
